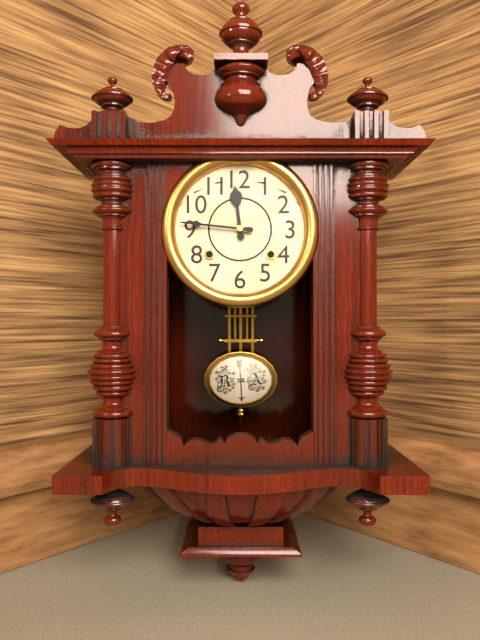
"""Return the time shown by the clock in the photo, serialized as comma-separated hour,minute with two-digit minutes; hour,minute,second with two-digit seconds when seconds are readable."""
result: 11,46
